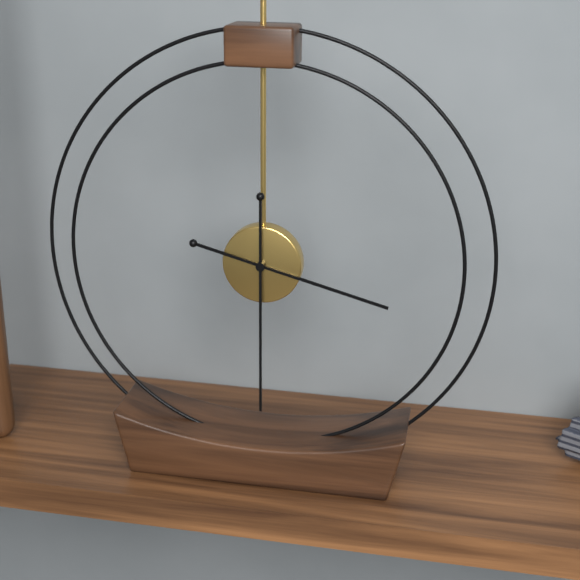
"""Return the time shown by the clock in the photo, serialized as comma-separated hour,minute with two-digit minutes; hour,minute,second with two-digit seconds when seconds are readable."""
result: 3,30
